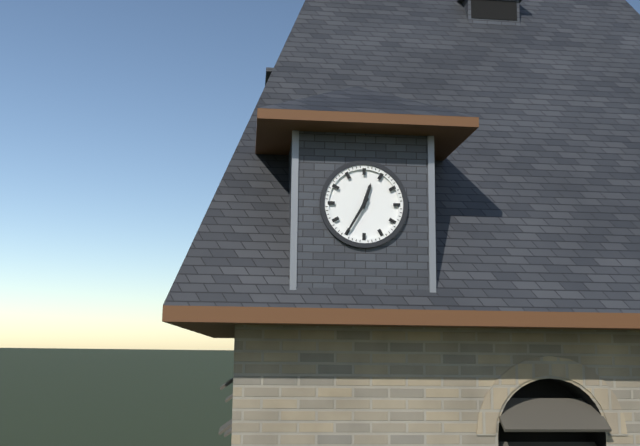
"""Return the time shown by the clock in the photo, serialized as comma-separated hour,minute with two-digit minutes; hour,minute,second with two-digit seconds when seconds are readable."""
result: 12,35
